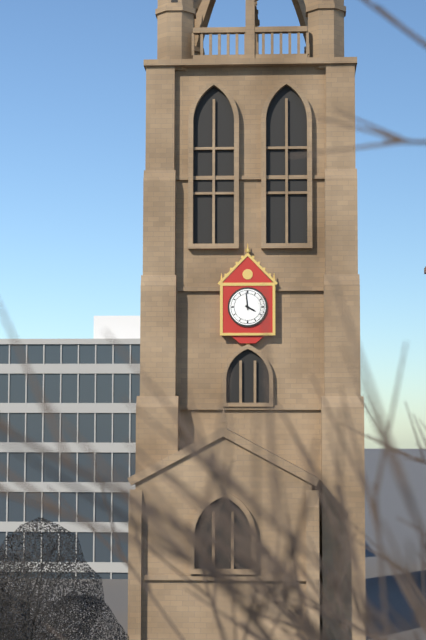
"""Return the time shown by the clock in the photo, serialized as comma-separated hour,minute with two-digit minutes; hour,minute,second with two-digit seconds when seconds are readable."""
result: 3,59
